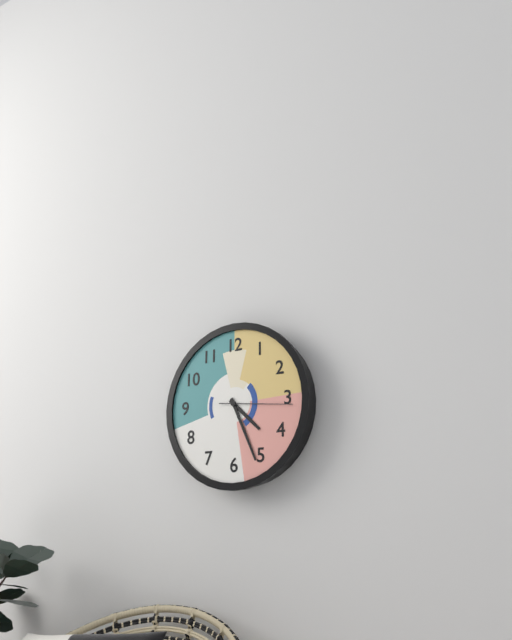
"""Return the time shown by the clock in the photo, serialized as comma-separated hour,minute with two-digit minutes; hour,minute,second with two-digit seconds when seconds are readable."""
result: 4,26,16
